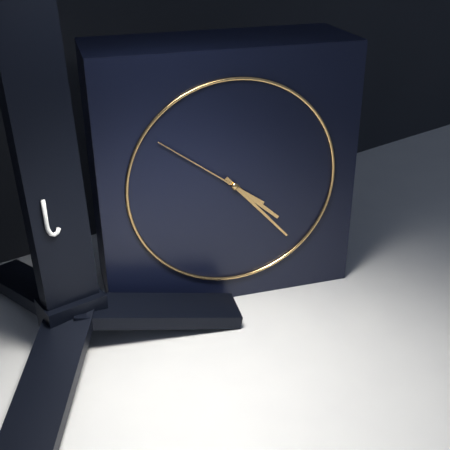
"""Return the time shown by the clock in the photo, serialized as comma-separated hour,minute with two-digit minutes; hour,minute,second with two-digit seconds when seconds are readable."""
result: 4,23,51
